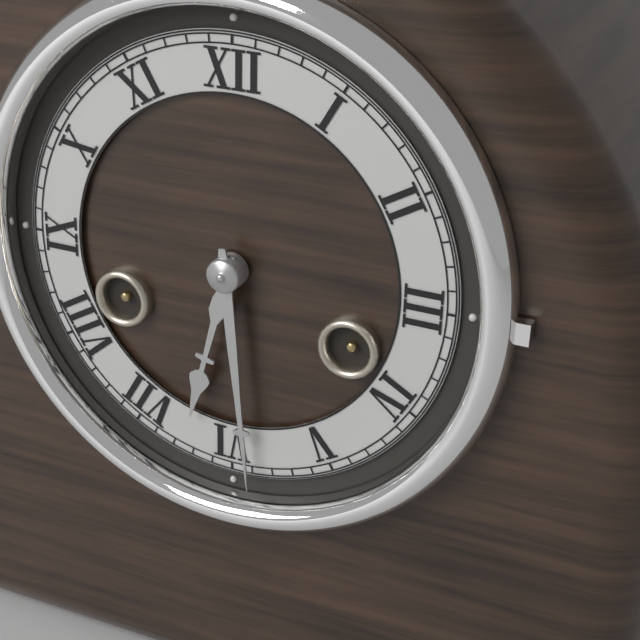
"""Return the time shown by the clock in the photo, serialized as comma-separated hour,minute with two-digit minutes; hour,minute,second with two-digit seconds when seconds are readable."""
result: 6,29
